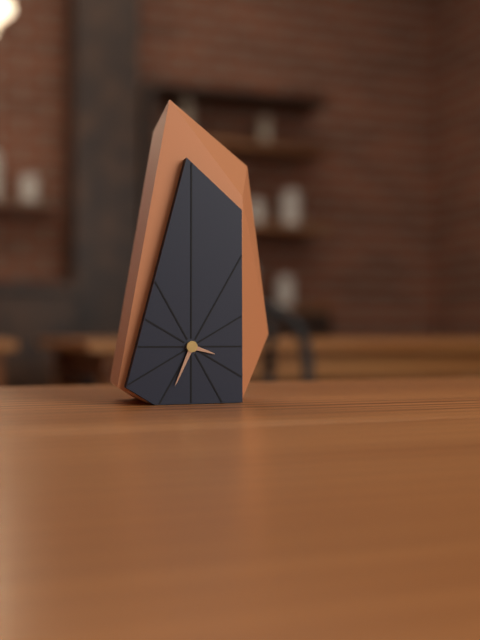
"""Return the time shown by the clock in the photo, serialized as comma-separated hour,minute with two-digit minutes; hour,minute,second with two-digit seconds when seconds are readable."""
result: 3,34
